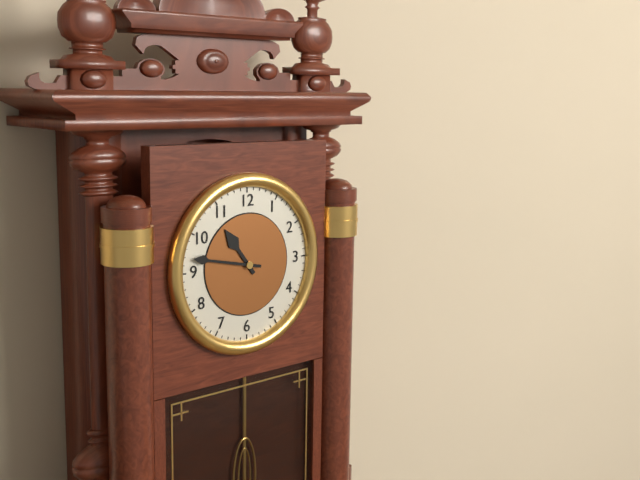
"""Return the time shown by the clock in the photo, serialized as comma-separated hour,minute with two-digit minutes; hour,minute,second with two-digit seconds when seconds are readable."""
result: 10,47
